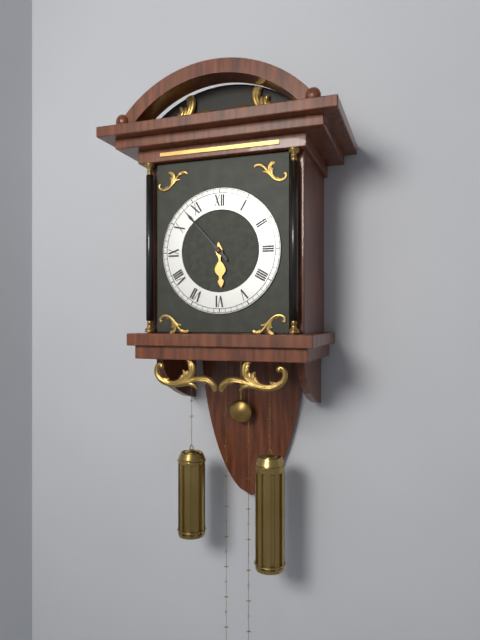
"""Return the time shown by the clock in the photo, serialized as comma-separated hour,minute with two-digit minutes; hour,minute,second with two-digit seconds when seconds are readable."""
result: 5,53
